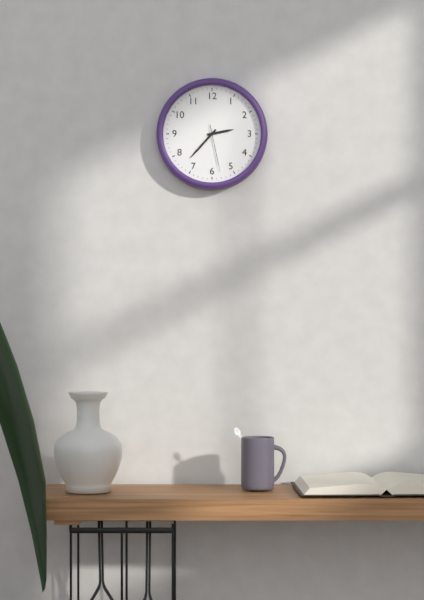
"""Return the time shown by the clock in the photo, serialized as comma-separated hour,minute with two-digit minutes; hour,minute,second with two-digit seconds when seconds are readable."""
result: 2,37
